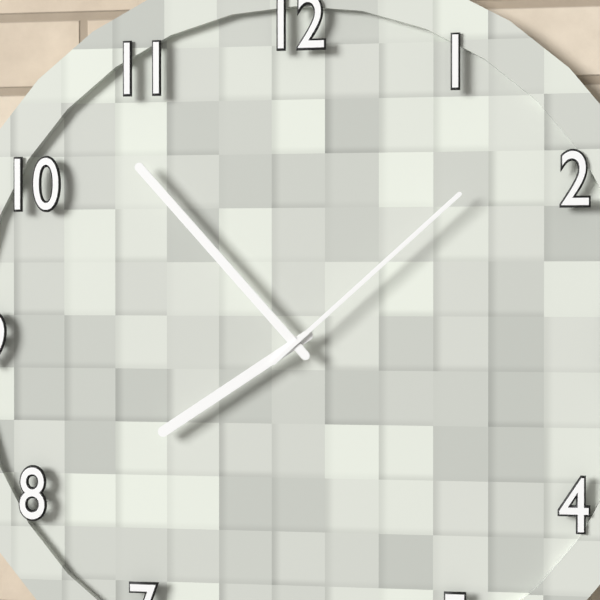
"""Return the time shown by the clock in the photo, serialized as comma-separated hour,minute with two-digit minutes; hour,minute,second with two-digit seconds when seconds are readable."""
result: 7,53,08
